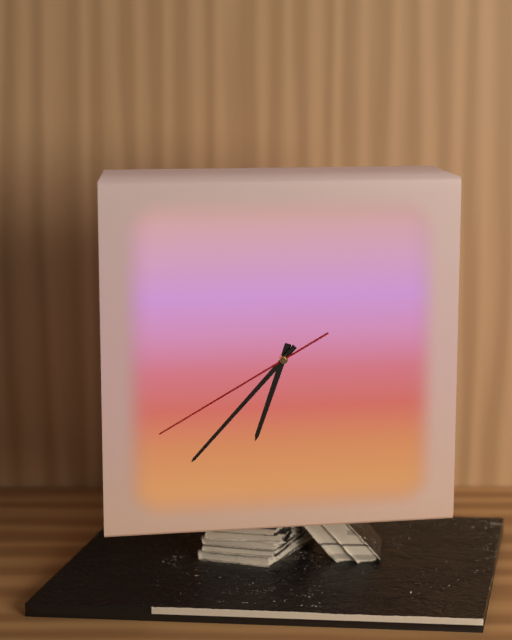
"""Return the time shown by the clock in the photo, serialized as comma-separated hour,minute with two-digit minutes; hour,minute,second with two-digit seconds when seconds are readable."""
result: 6,37,40
